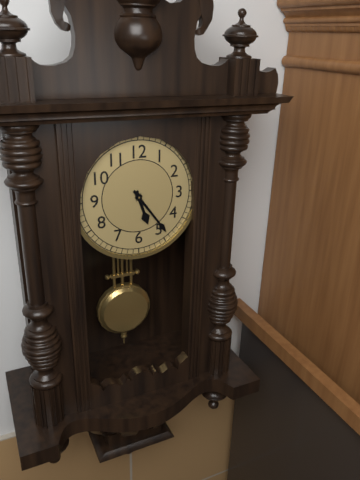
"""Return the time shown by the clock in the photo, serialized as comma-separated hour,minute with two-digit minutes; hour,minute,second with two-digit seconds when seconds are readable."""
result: 5,24
